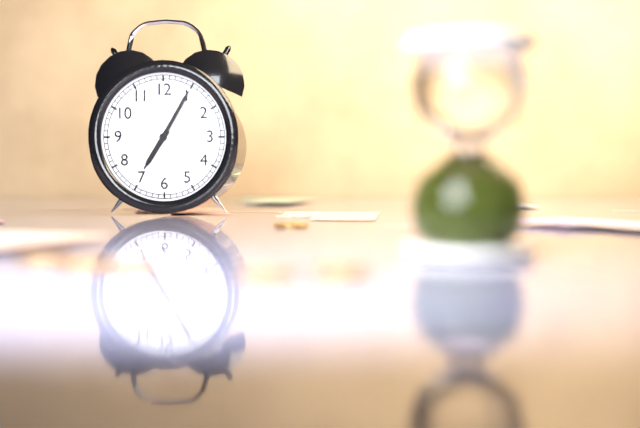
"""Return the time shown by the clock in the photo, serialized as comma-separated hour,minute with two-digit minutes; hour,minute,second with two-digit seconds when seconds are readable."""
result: 7,05
